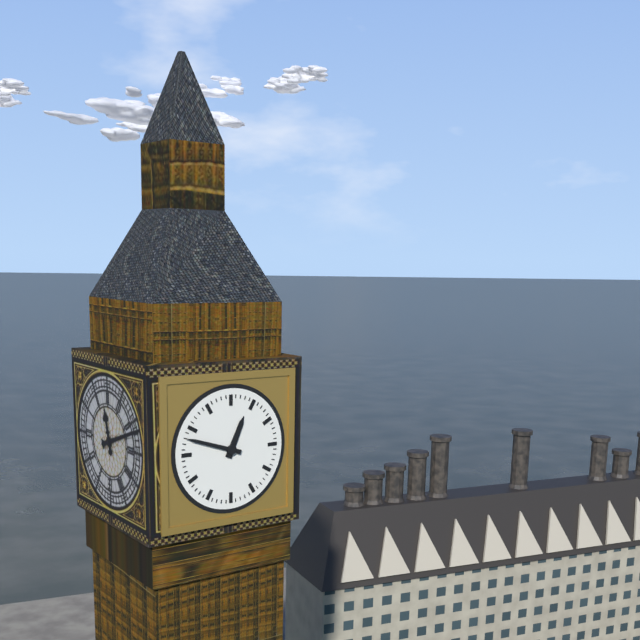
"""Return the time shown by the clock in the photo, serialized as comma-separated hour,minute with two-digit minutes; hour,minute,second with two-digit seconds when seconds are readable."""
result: 12,48
